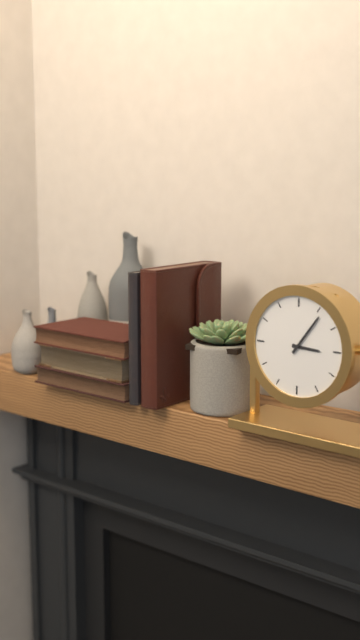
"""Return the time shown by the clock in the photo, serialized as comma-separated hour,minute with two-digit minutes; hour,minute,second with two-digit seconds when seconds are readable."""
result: 3,06
